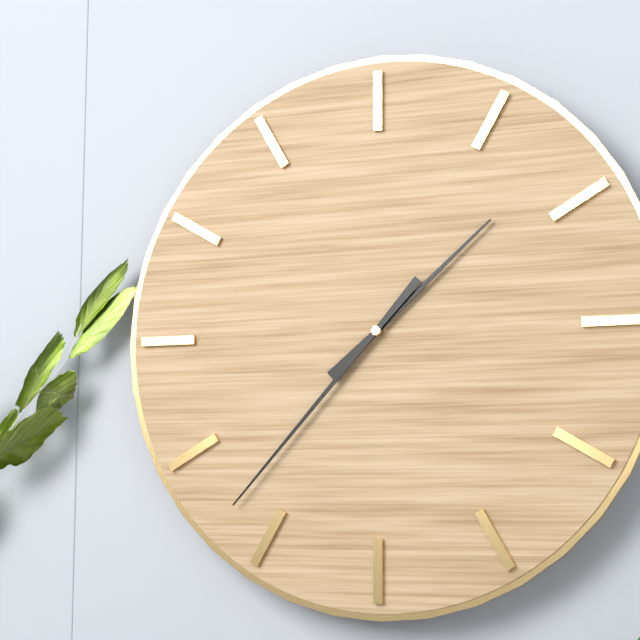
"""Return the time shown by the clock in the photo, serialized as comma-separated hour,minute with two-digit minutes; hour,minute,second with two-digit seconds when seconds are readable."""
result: 1,37
